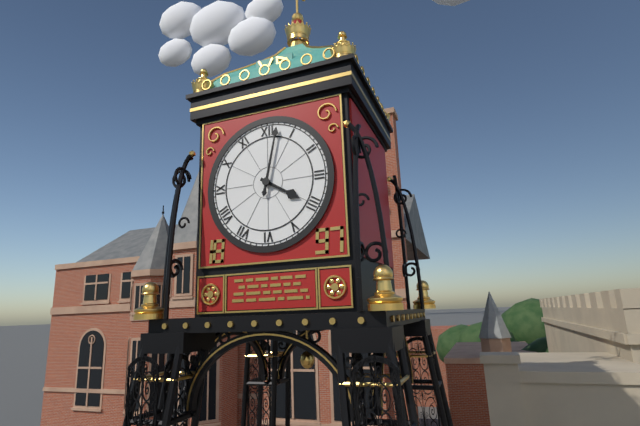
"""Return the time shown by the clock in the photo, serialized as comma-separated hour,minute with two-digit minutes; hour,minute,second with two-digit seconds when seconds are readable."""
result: 4,02
